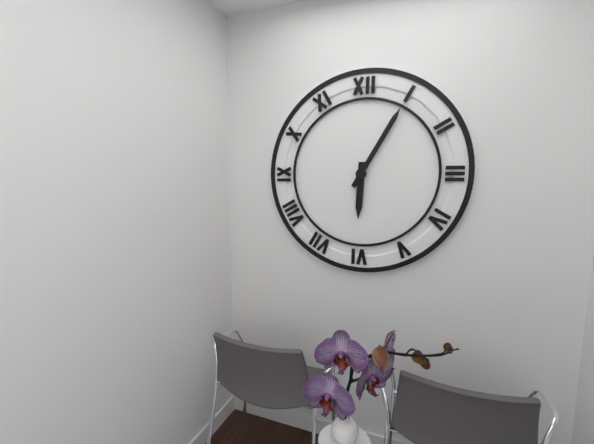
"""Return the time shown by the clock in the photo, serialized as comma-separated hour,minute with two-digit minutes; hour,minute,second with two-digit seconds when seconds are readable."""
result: 6,05
